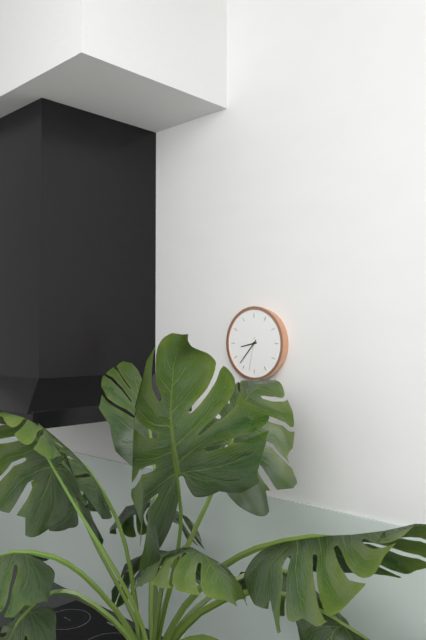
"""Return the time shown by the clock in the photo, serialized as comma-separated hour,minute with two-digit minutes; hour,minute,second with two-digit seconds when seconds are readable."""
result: 8,37
